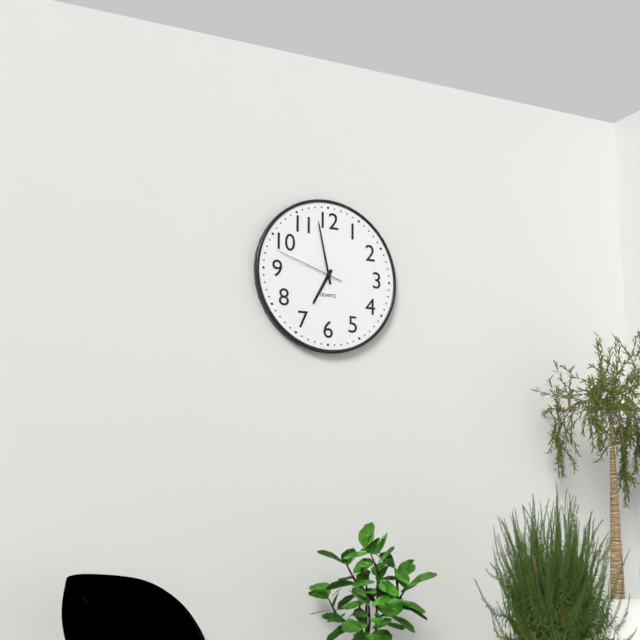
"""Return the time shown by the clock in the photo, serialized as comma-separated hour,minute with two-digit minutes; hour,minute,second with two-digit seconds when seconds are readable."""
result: 6,58,48
